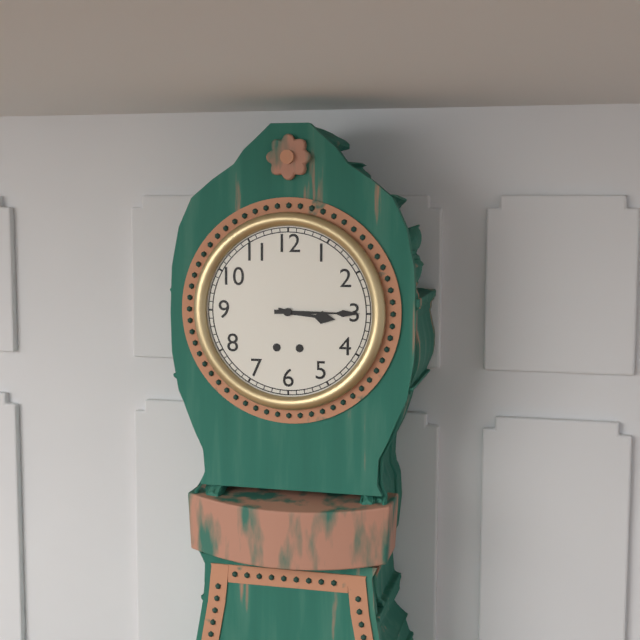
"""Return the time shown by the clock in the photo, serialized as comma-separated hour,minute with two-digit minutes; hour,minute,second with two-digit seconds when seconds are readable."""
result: 3,15
